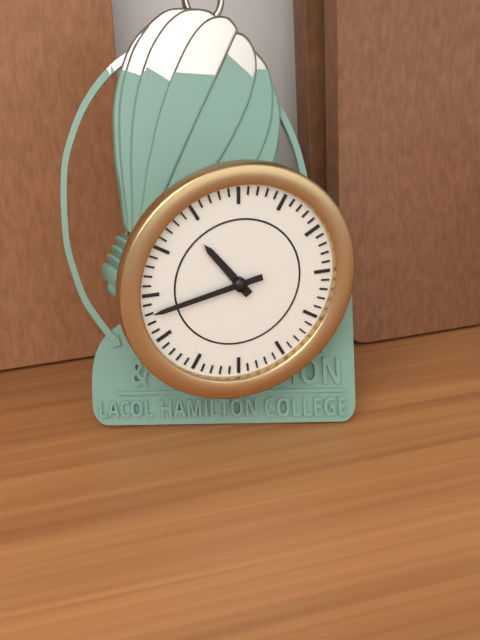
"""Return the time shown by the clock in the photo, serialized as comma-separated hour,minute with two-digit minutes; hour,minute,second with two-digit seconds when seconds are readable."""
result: 10,43
